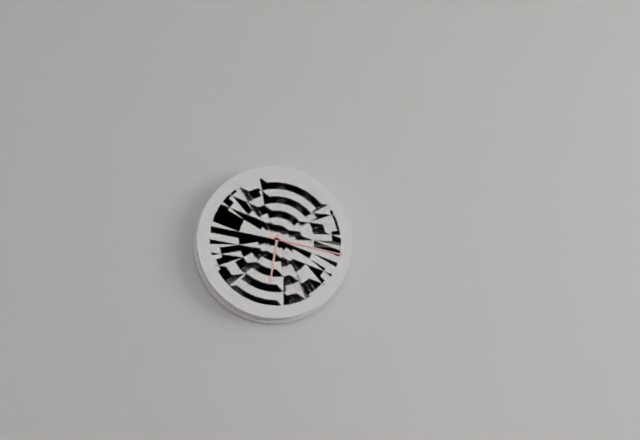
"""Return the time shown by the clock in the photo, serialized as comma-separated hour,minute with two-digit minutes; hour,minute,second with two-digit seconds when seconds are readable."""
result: 6,17
